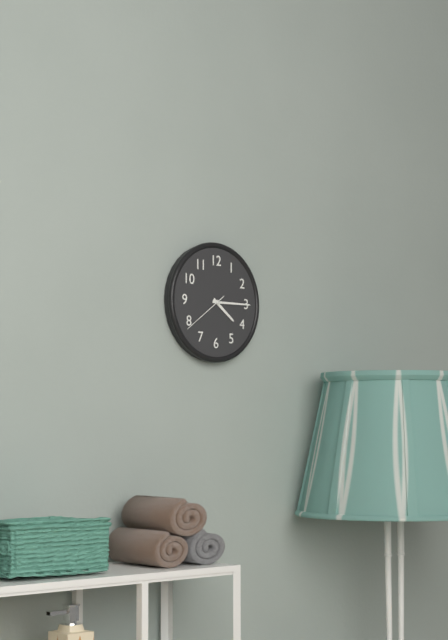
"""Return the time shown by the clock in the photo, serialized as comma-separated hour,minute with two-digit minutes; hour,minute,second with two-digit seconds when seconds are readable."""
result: 4,15
